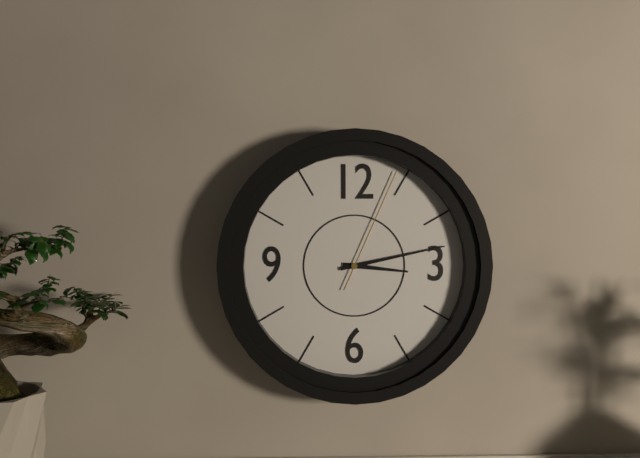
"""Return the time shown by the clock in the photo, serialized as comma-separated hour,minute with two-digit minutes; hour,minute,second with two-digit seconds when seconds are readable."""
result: 3,13,04
